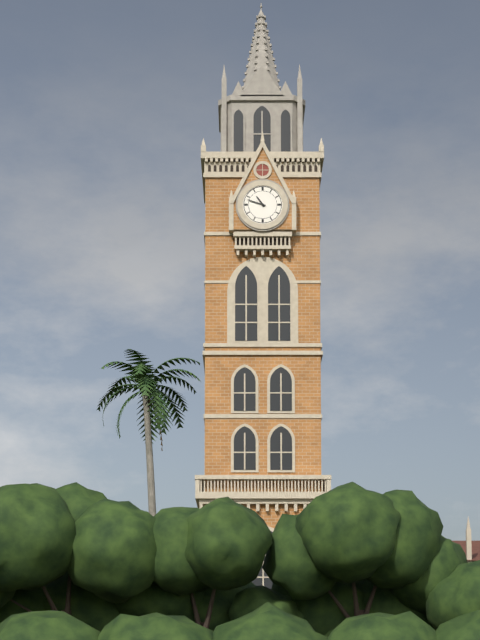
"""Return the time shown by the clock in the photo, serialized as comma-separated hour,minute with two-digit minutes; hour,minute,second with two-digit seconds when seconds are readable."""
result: 10,48
